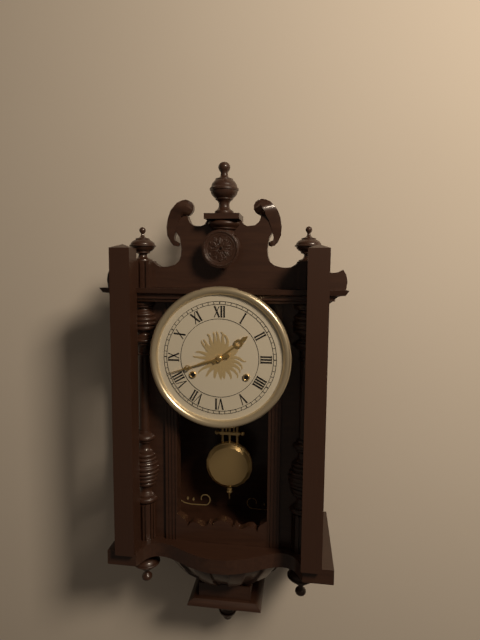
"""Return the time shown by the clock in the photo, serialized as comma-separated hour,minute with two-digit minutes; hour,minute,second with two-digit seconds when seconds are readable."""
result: 1,42
